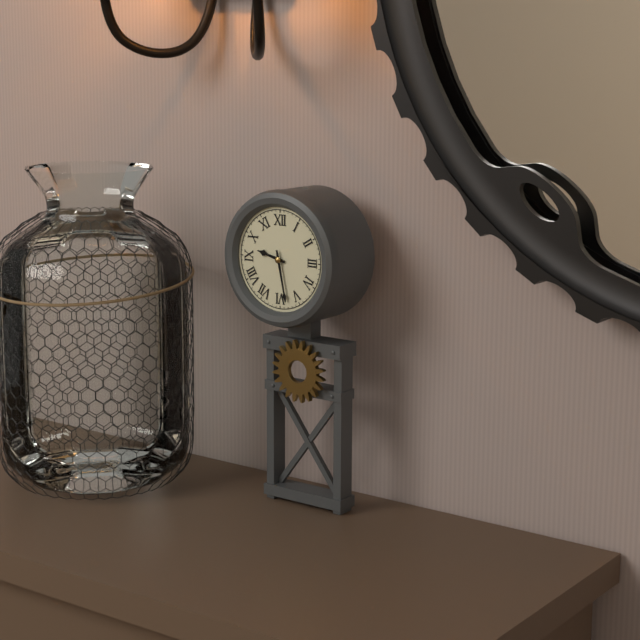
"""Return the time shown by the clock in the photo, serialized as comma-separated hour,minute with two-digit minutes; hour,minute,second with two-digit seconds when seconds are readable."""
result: 9,28
